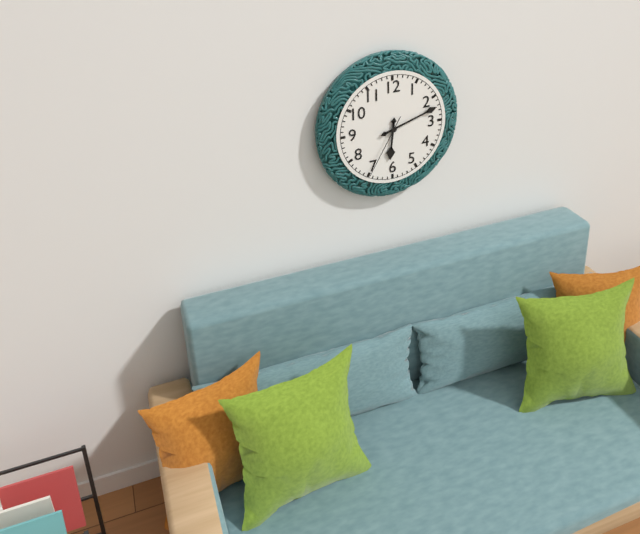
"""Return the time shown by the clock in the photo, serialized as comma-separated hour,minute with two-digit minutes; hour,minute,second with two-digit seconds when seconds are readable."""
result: 6,12,35
